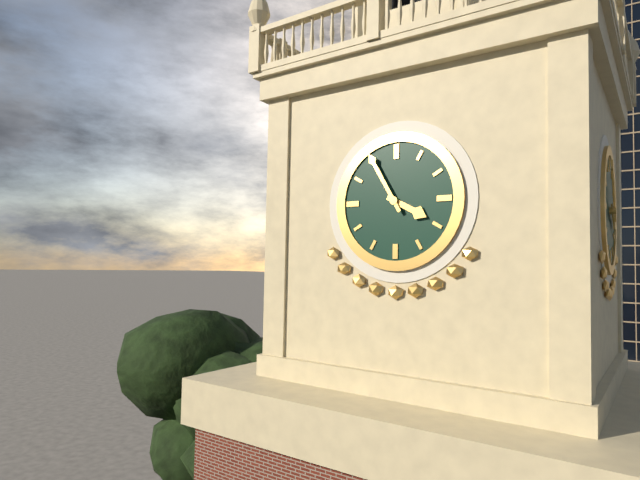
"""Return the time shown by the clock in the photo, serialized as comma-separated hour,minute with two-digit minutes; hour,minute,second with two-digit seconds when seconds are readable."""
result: 3,55
